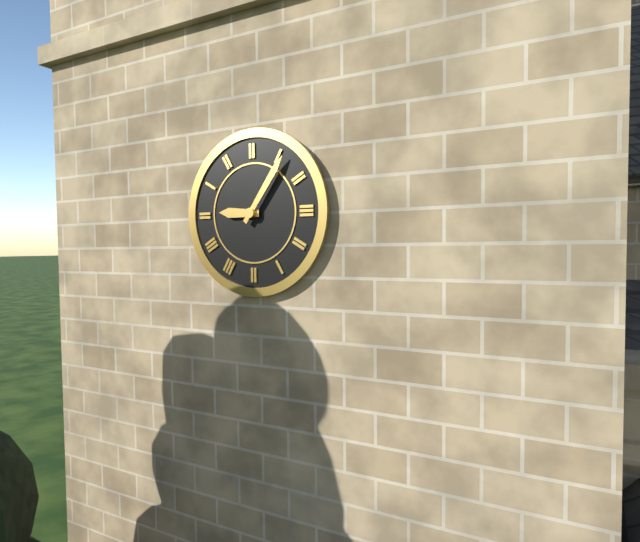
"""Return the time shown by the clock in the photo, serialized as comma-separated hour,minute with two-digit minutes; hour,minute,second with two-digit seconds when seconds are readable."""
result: 9,06
